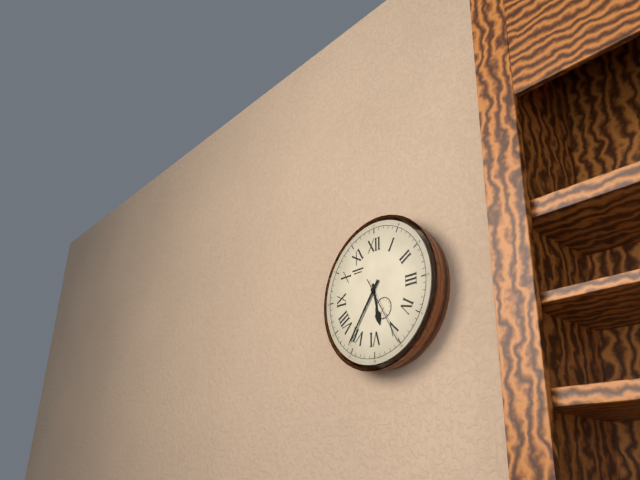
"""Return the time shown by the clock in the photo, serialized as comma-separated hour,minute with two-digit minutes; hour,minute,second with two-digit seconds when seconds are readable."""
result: 5,36,25
